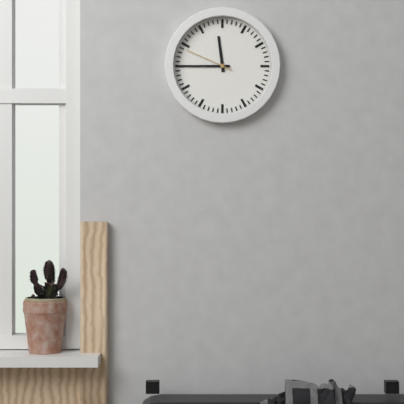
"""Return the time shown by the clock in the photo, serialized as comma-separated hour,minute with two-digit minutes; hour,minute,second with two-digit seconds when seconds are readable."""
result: 11,45
